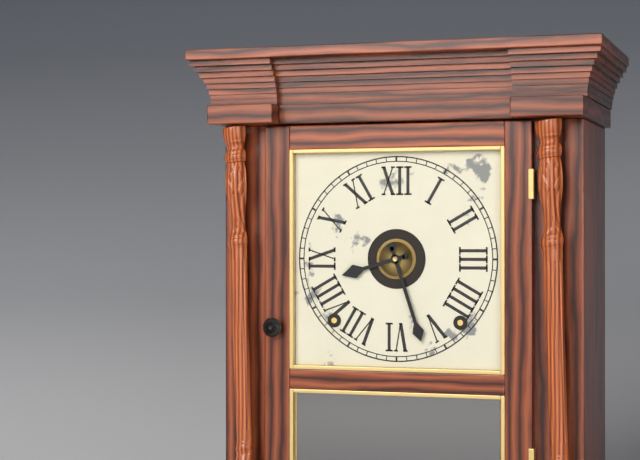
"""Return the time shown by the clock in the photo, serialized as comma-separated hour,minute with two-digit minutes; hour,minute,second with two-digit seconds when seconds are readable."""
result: 8,27
